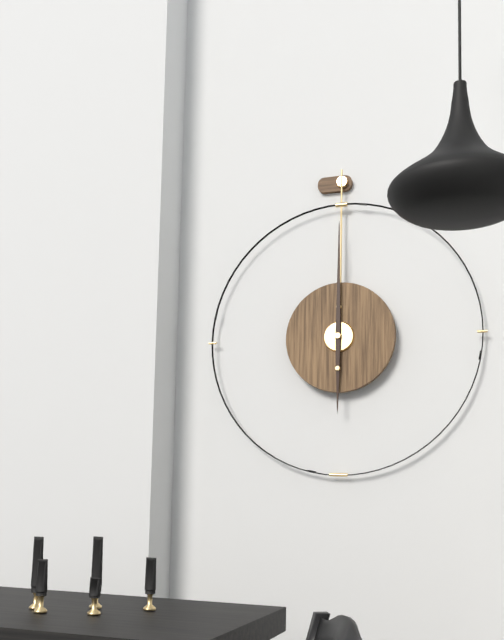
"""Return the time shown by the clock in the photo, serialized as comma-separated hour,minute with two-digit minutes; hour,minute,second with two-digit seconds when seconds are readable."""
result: 6,00
